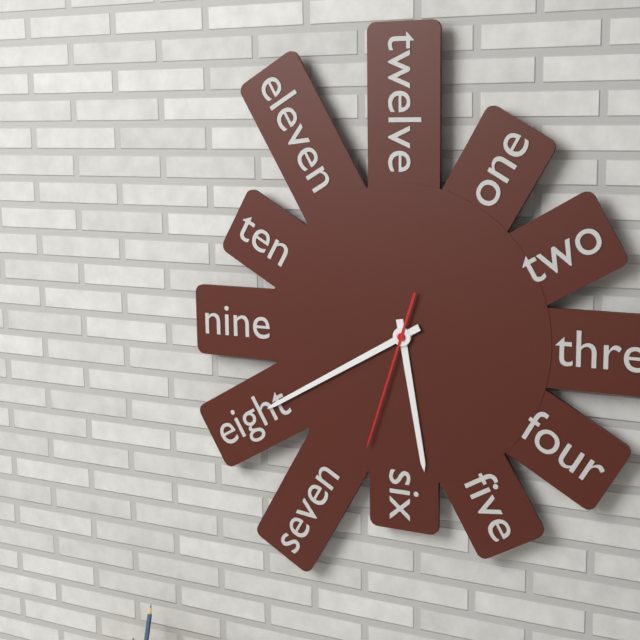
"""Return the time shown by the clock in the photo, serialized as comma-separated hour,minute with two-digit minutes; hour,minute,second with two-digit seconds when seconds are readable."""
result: 5,40,33
